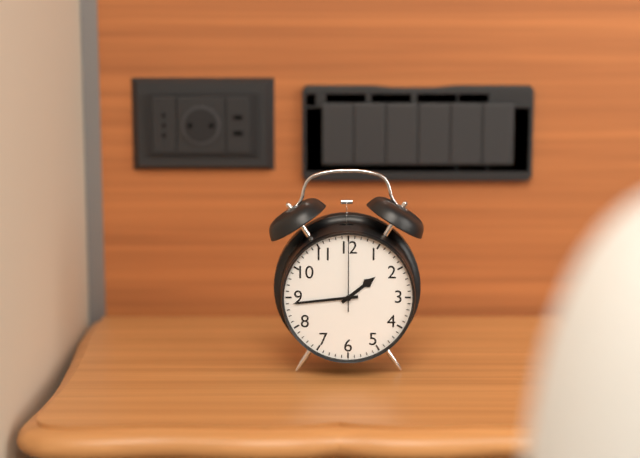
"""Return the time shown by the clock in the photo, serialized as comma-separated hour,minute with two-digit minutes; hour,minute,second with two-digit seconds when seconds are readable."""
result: 1,44,00
